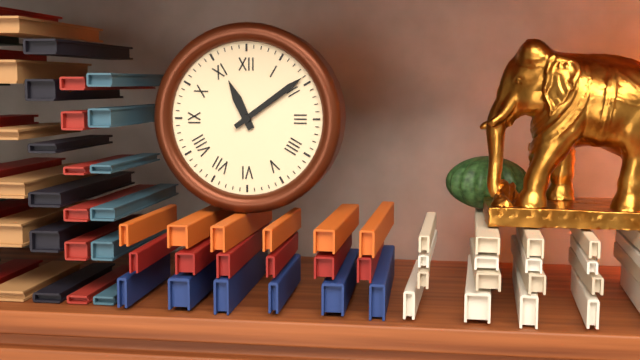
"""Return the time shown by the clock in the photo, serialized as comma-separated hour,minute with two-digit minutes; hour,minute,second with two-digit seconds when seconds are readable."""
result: 11,09
